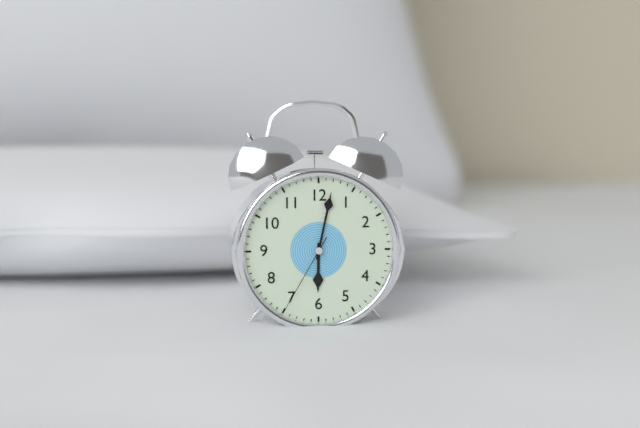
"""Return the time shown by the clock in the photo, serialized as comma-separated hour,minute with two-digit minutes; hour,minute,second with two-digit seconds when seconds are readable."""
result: 6,02,35
